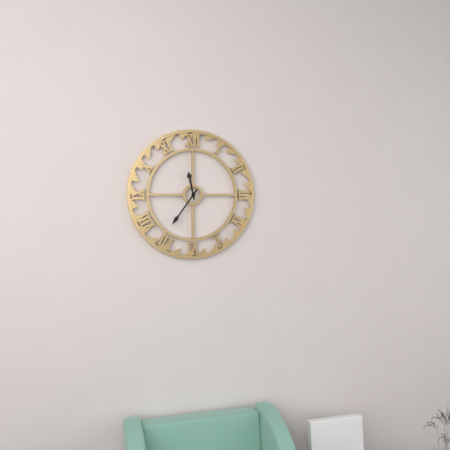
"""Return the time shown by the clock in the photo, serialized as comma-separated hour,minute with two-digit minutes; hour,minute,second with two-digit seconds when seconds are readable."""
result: 11,36
